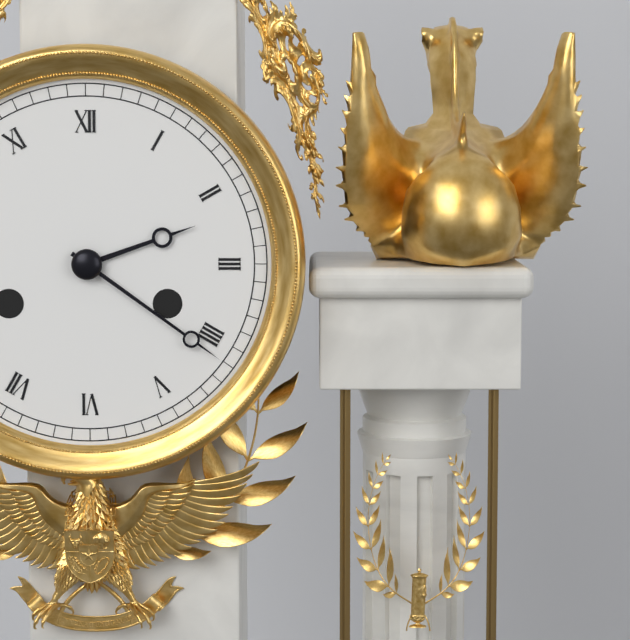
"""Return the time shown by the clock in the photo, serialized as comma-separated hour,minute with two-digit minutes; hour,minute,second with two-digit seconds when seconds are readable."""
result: 2,21
